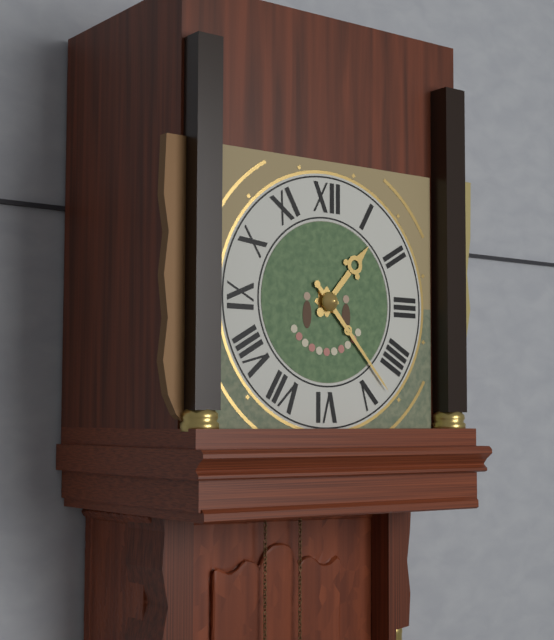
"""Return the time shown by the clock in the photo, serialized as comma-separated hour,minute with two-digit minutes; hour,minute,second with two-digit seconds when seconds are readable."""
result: 1,23
